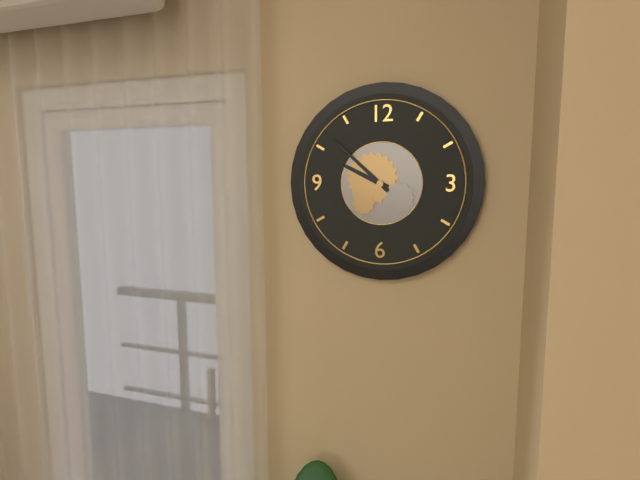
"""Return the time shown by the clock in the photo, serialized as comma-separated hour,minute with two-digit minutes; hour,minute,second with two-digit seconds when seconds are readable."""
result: 9,52
